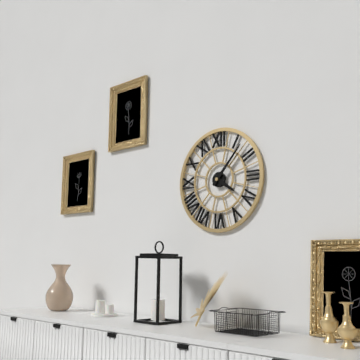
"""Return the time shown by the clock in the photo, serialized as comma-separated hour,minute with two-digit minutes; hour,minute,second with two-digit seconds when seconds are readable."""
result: 4,07
